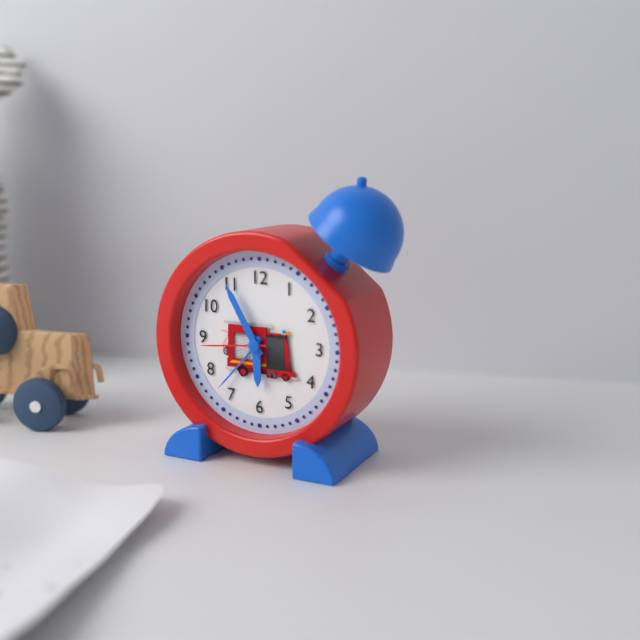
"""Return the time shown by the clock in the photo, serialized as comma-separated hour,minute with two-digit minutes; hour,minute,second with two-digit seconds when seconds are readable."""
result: 5,55,44
